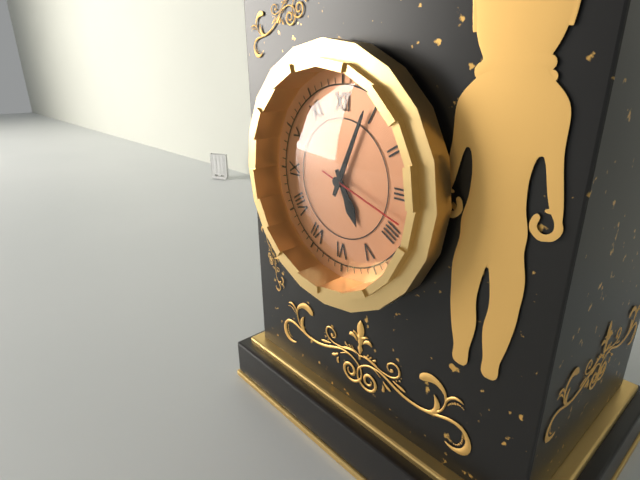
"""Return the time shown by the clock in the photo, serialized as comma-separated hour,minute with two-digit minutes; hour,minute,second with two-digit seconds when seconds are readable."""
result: 5,04,18
